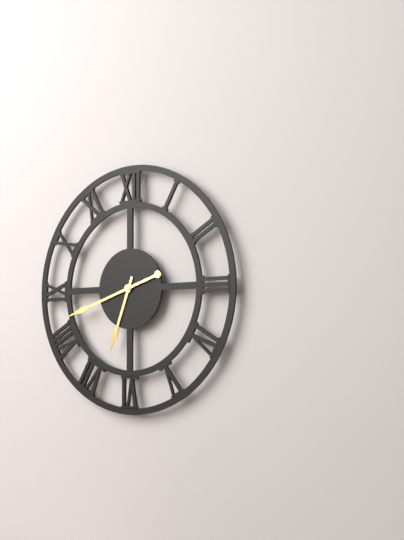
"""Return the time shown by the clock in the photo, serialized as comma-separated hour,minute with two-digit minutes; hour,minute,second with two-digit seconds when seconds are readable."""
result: 6,42
